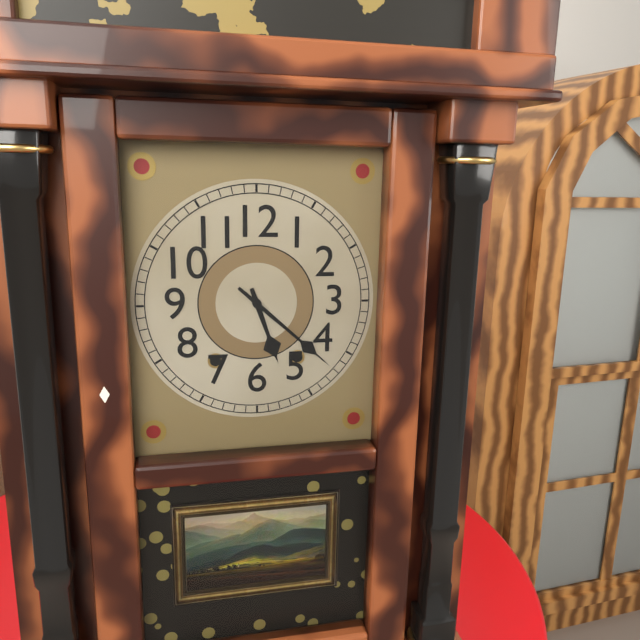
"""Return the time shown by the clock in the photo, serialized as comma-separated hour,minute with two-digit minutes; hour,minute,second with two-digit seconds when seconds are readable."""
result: 5,22
